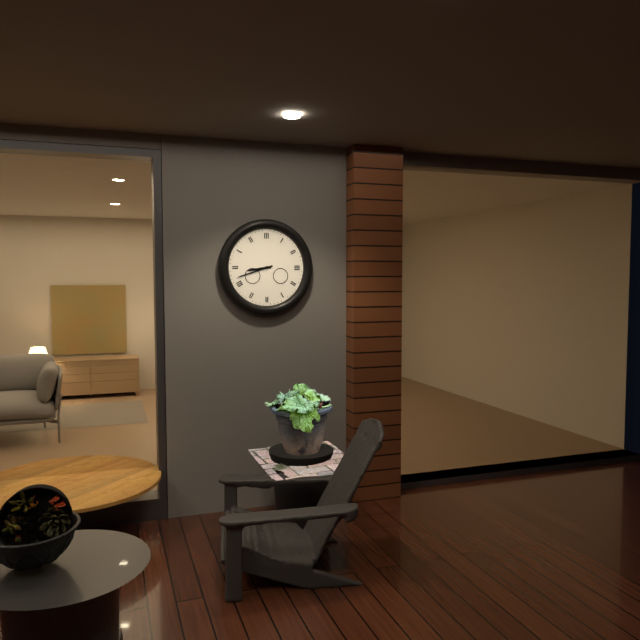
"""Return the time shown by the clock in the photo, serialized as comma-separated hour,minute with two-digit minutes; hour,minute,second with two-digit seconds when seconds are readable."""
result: 8,42
